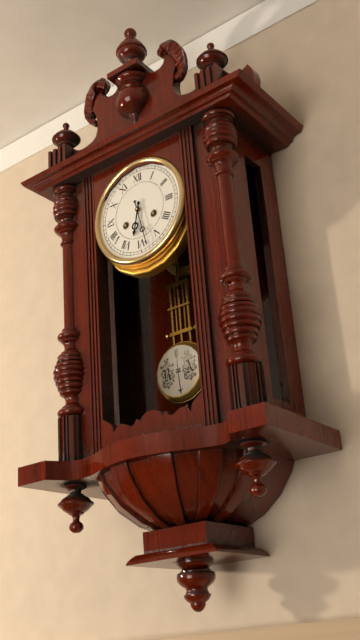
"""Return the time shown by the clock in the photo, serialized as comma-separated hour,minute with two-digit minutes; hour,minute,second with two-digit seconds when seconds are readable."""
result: 6,28
